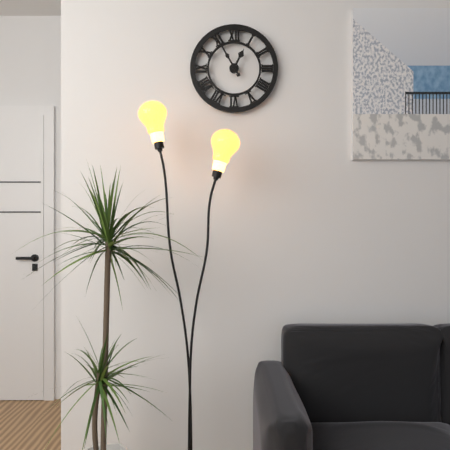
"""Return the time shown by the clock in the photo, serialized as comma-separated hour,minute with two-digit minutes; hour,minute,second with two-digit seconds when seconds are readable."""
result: 12,55
